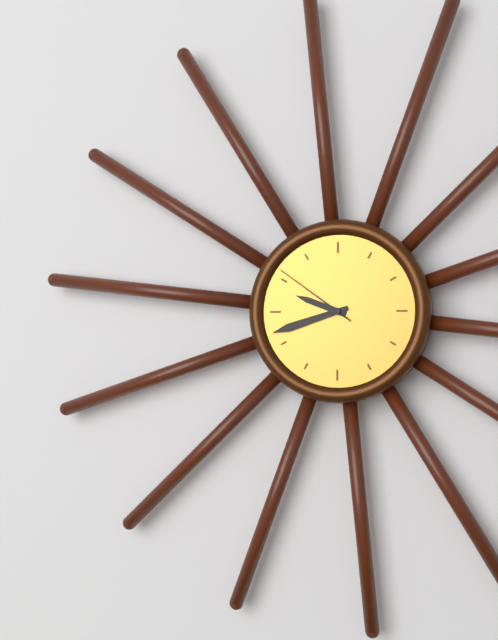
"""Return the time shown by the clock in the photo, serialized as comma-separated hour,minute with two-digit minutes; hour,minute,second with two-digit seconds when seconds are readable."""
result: 9,42,51
